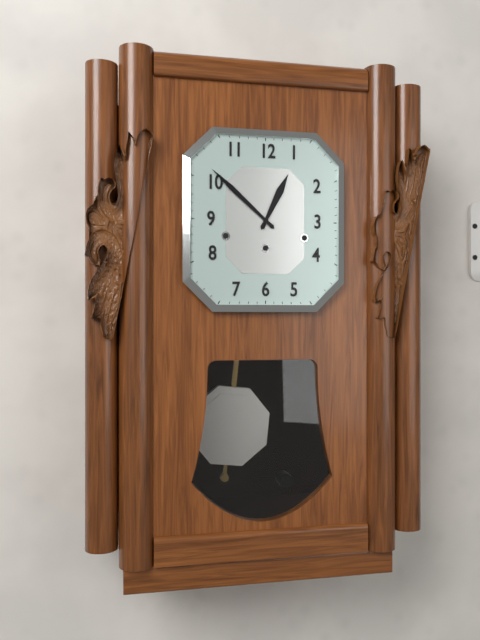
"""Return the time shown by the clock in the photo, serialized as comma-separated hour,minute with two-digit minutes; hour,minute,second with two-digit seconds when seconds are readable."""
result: 12,52
